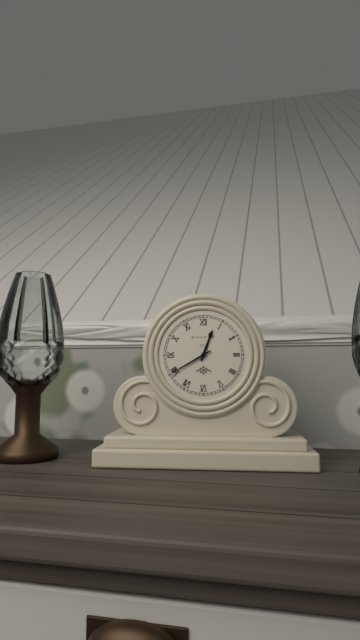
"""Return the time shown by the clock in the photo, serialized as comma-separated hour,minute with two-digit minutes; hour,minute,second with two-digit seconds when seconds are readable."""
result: 12,40
